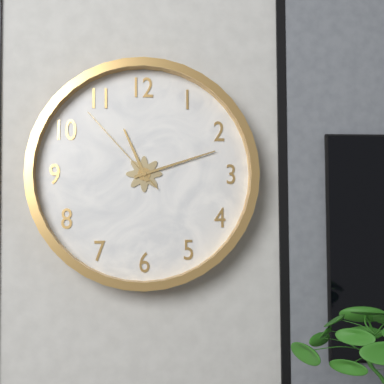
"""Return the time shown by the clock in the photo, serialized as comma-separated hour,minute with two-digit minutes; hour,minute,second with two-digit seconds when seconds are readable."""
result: 11,12,53
